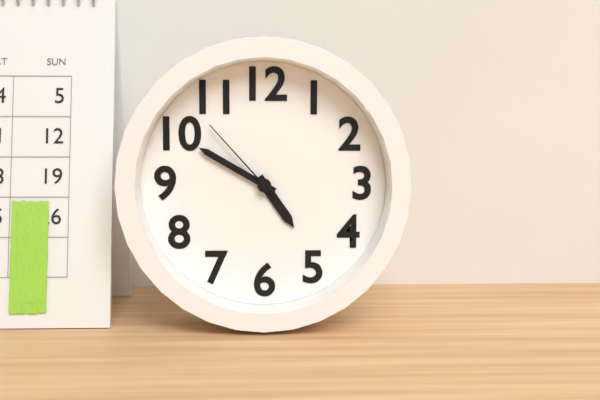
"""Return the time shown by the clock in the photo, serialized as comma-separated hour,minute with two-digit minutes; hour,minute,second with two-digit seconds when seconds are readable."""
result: 4,50,53
